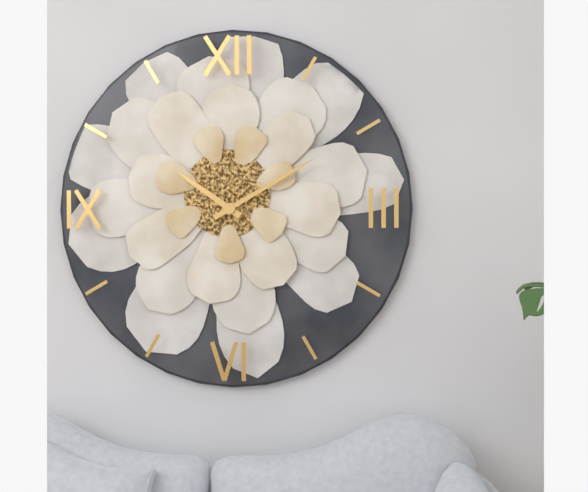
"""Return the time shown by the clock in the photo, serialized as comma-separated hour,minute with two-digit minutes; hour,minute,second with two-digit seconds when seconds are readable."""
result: 10,10
